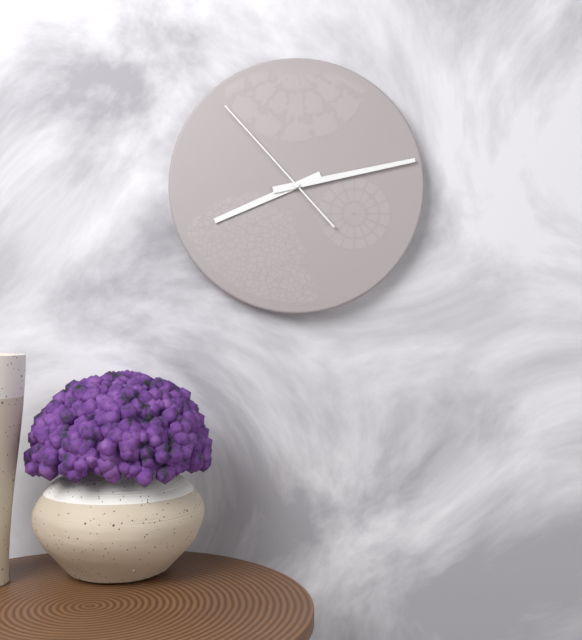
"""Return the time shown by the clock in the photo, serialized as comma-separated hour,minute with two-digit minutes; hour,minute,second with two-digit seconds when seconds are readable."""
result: 8,13,53
